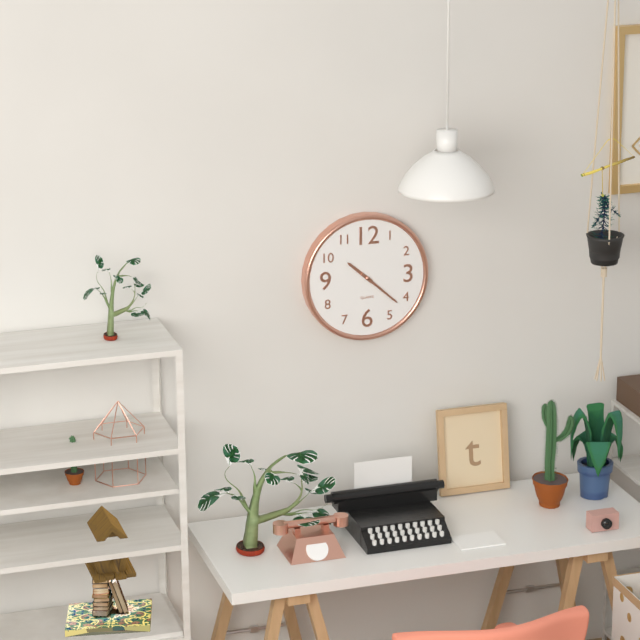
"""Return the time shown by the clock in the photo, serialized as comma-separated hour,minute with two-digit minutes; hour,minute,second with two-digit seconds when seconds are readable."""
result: 10,22
